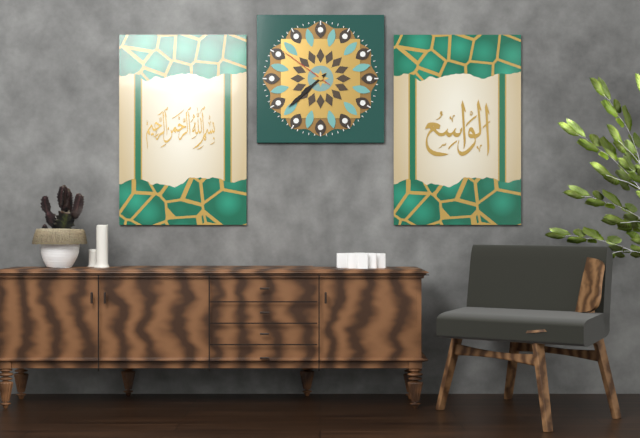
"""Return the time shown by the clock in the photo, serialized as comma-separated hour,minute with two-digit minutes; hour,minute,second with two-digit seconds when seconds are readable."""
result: 7,38,51
